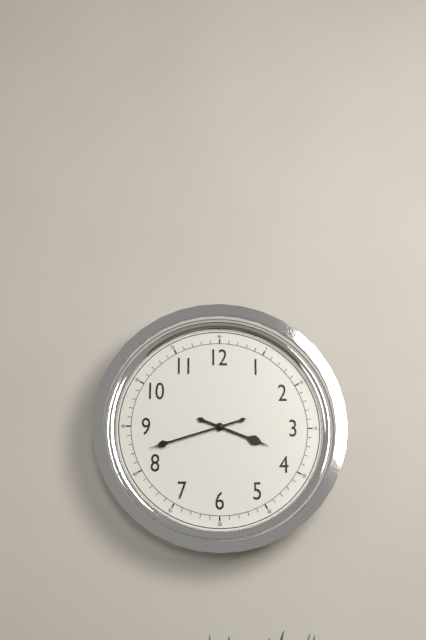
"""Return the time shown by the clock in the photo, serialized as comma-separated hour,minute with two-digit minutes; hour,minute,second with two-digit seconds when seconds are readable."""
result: 3,42
